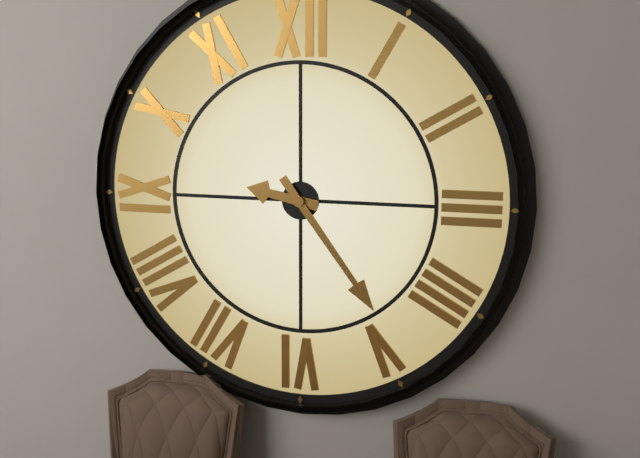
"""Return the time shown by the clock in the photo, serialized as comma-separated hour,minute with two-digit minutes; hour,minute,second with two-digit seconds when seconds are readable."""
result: 9,24
